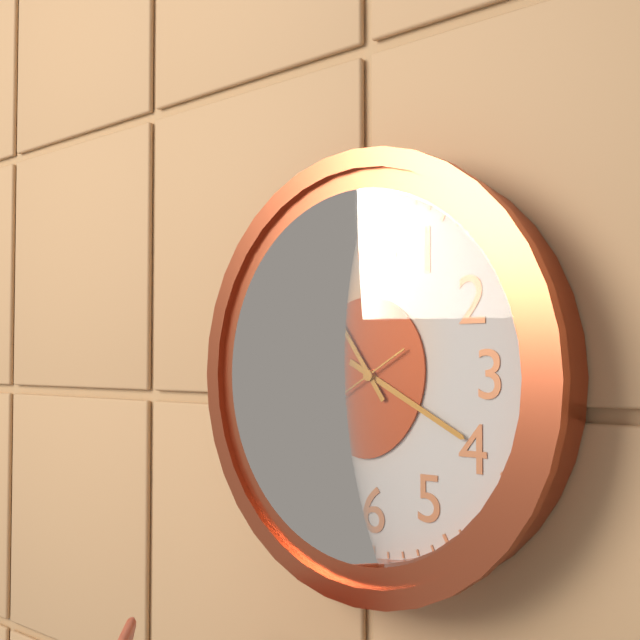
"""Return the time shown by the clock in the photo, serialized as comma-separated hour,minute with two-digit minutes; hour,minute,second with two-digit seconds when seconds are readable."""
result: 3,54,40
